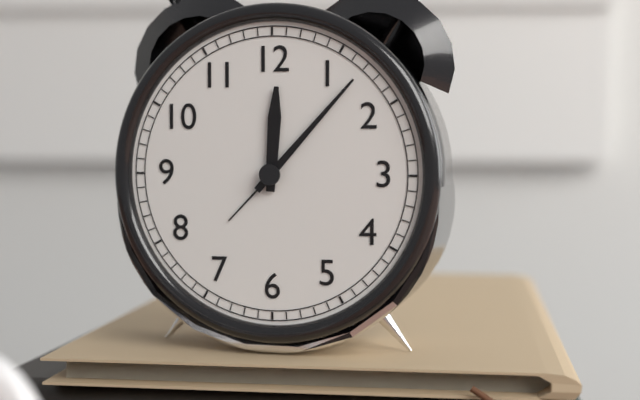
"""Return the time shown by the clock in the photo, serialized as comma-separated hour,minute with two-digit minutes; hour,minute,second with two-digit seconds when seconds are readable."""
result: 12,07
